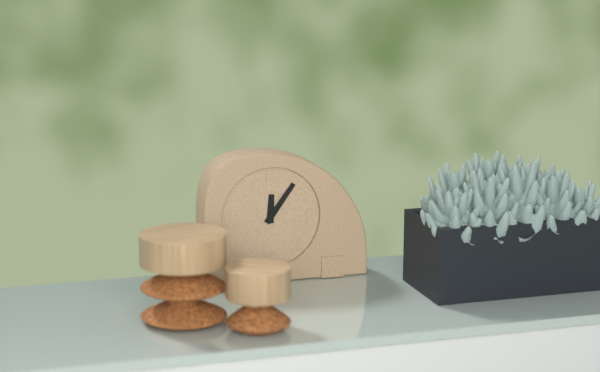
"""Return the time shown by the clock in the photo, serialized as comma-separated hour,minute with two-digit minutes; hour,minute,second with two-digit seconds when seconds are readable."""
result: 12,06
